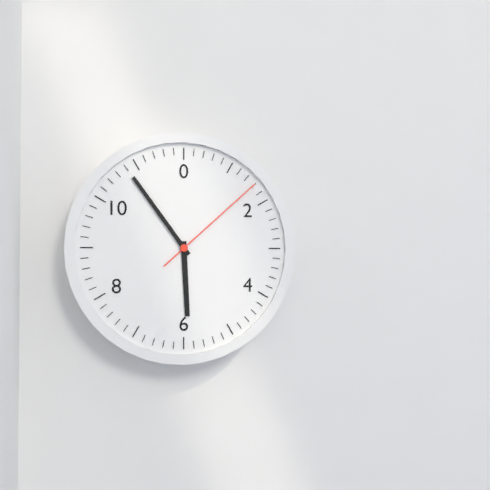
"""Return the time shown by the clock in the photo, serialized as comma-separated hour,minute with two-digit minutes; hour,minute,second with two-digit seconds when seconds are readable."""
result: 5,54,08
